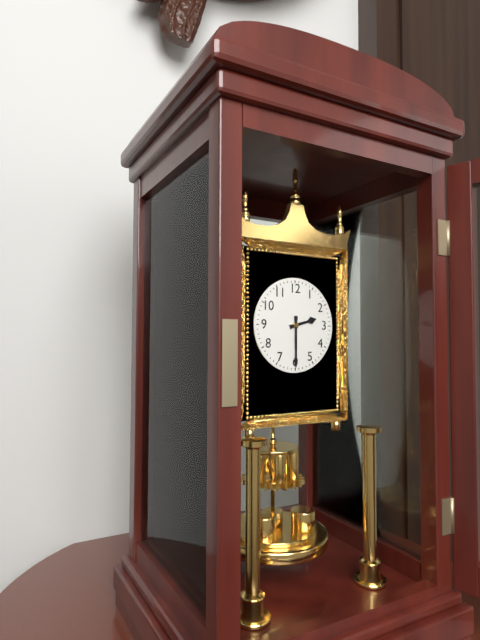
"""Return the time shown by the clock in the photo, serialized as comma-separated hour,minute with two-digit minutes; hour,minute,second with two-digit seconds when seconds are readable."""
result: 2,30
